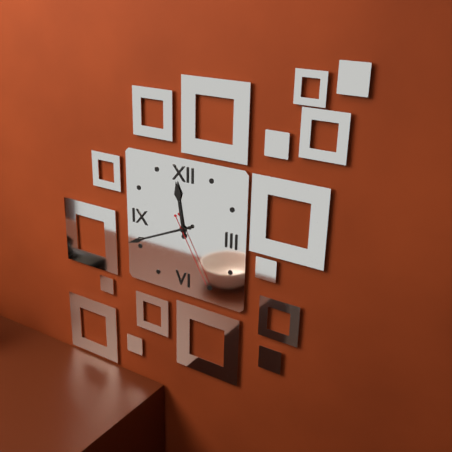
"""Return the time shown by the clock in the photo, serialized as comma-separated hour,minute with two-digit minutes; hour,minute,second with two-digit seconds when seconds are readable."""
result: 11,41,25
